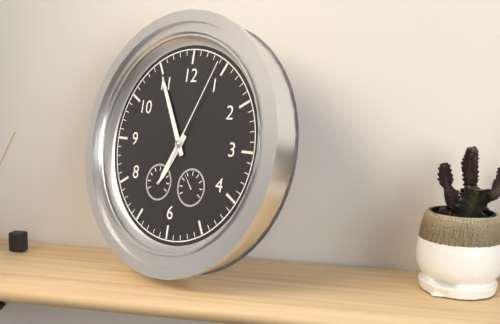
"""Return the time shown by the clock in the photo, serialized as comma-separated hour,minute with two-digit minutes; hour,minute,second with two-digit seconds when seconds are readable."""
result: 6,55,04
